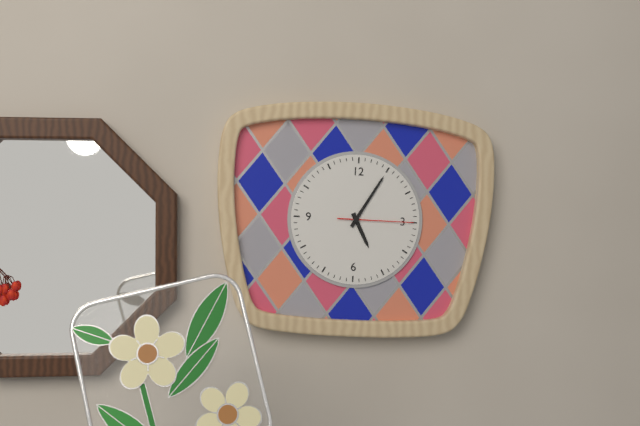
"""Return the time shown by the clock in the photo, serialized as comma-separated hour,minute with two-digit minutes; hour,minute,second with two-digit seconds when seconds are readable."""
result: 5,05,15
